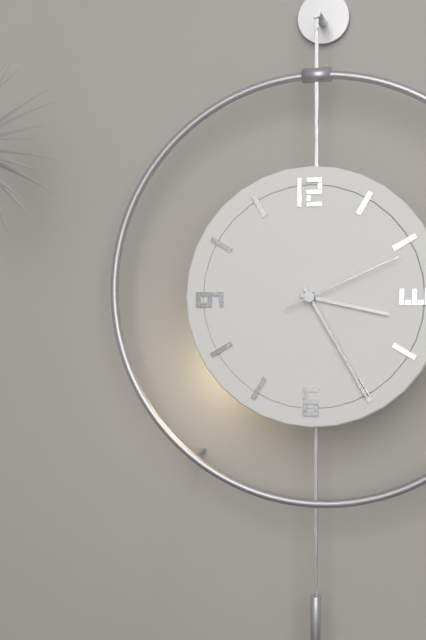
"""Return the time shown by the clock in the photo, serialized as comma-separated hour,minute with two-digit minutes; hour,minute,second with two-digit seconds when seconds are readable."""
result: 3,25,11
